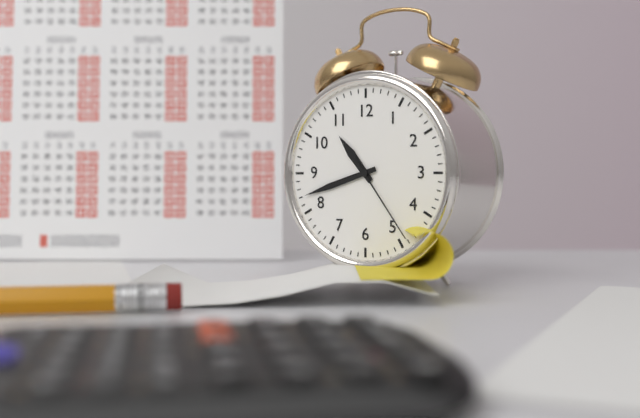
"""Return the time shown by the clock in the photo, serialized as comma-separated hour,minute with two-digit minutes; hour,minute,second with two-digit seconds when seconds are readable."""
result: 10,42,24
